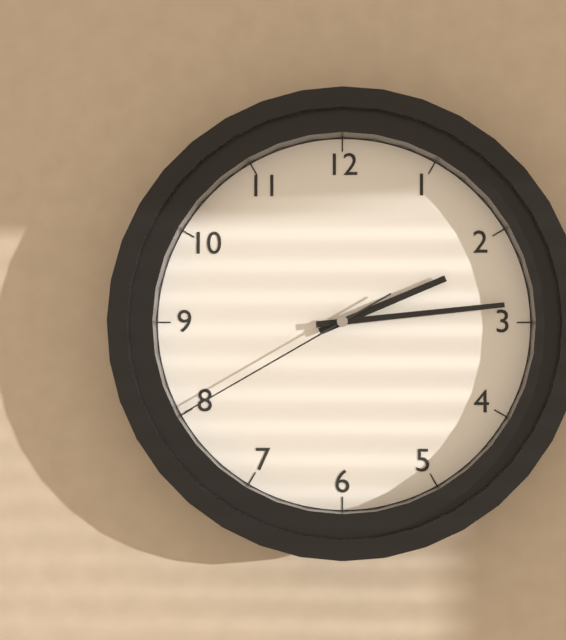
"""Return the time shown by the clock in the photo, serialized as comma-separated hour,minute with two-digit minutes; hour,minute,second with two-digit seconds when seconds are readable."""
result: 2,14,40
